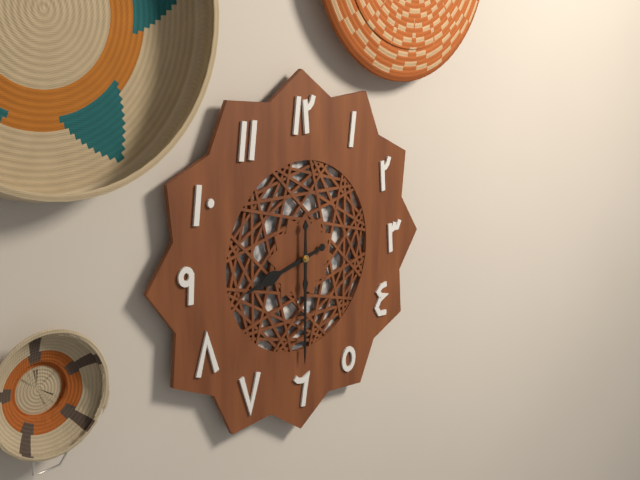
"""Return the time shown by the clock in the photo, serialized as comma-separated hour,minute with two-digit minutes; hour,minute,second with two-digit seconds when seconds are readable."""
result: 8,30
